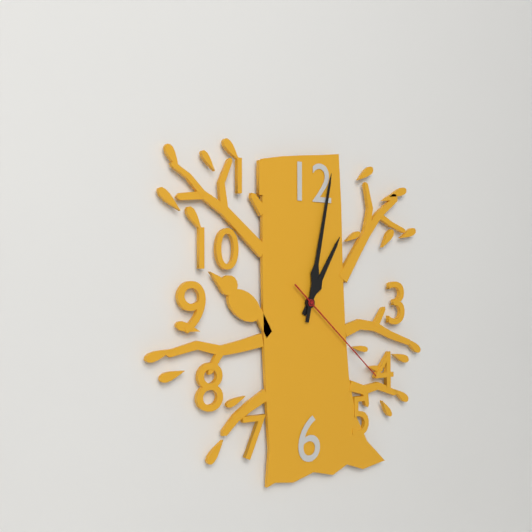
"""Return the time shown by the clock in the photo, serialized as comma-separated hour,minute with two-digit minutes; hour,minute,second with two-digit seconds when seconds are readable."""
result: 1,02,22
